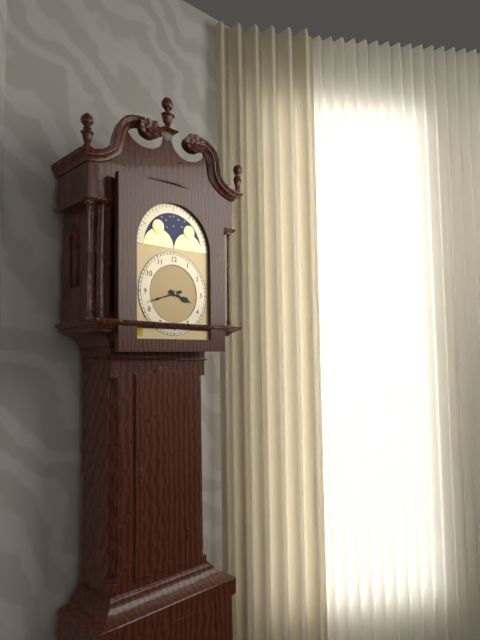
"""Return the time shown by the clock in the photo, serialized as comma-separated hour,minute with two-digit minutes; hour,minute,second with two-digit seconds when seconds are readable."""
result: 3,42
